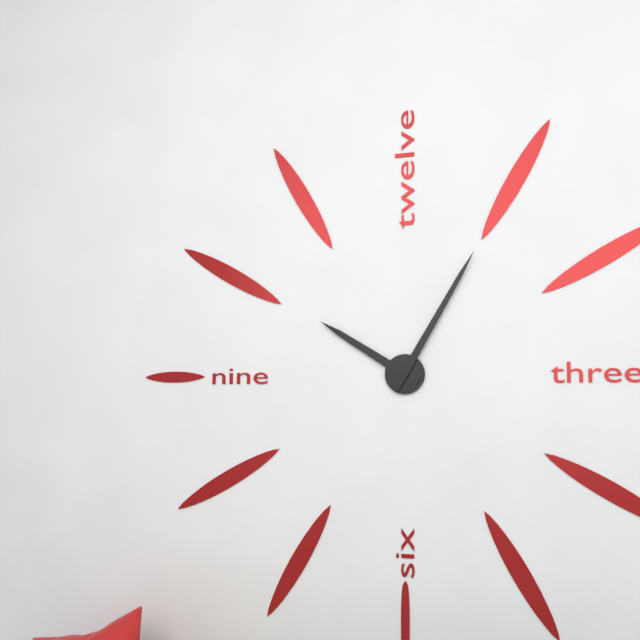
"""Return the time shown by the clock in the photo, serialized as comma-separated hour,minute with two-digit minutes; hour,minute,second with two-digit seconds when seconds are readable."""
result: 10,05
